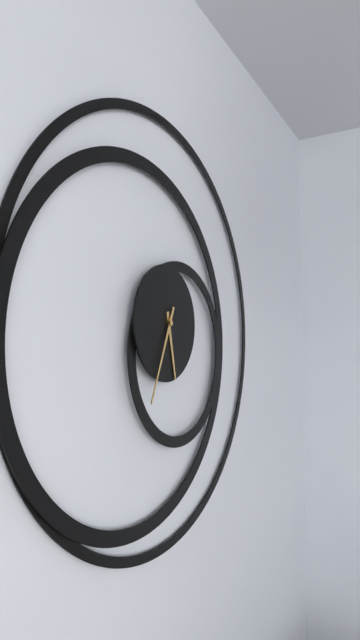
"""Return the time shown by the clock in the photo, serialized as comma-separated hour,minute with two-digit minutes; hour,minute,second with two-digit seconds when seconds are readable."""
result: 5,34
